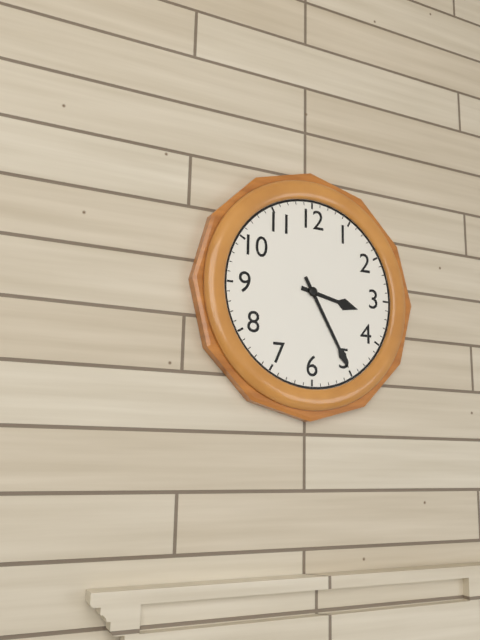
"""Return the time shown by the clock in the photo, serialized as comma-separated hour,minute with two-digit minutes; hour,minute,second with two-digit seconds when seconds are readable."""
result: 3,25
